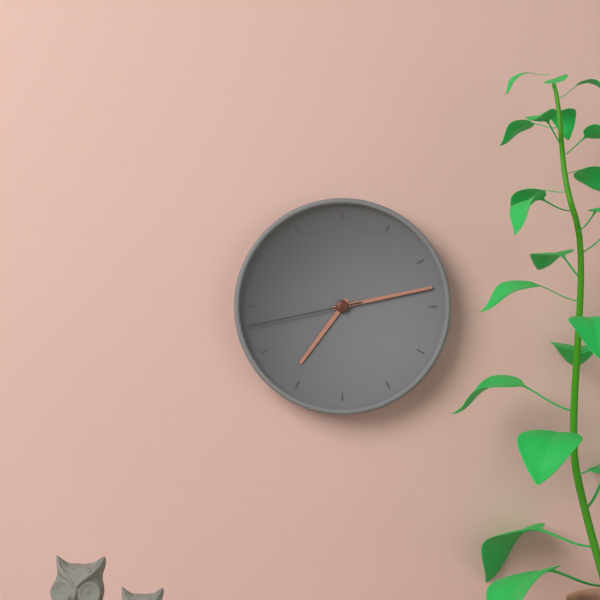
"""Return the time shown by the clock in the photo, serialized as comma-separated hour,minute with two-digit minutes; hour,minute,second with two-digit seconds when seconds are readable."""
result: 7,13,43
